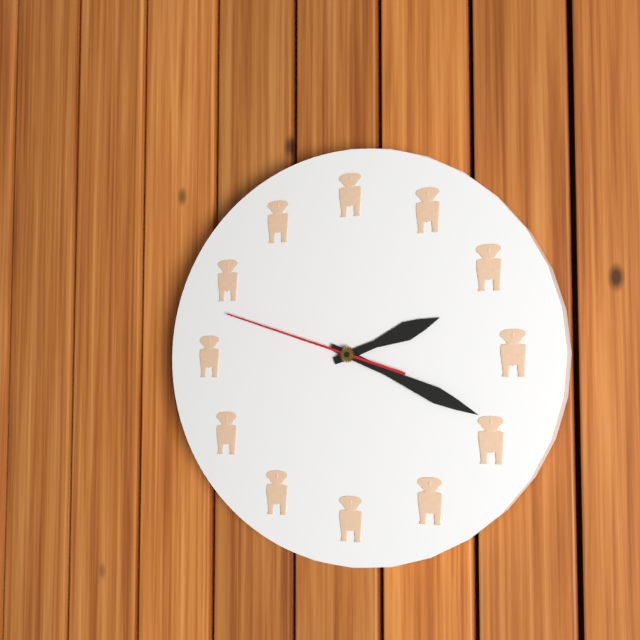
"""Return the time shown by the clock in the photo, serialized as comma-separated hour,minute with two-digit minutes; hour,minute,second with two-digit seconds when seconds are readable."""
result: 2,19,48
